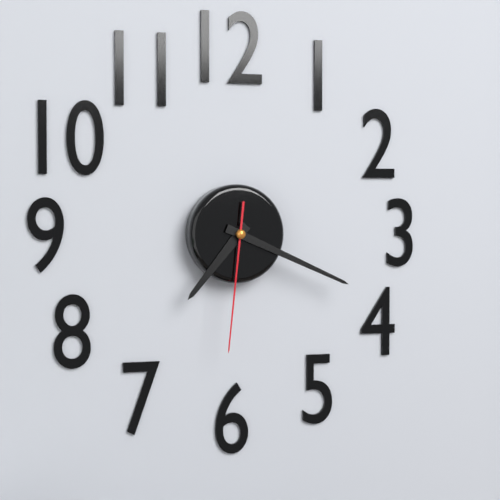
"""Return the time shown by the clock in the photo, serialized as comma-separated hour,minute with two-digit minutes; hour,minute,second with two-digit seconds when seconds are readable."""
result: 7,19,31
